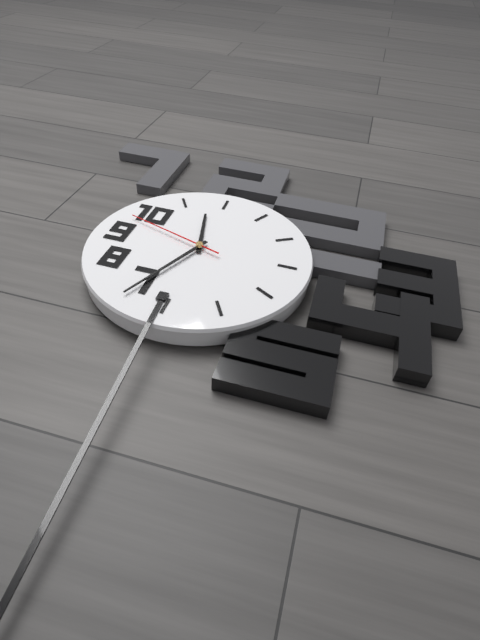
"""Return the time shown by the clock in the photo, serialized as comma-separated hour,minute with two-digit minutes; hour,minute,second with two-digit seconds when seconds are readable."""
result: 11,34,48
